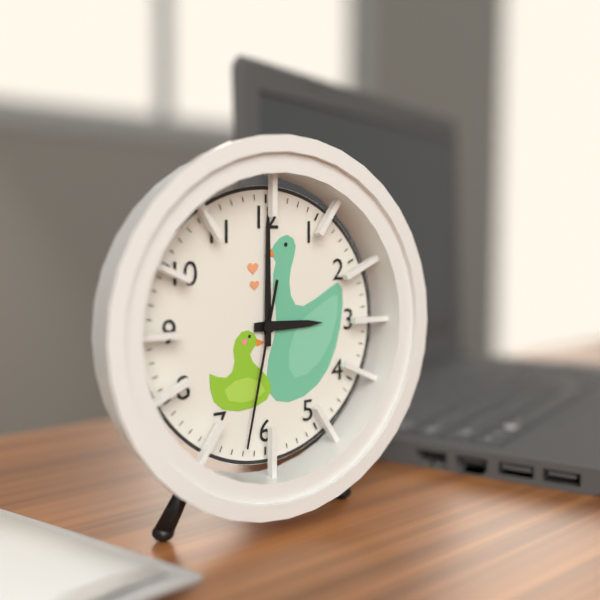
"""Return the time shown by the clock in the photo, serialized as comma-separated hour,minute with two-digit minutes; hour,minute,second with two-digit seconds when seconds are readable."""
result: 3,00,32
